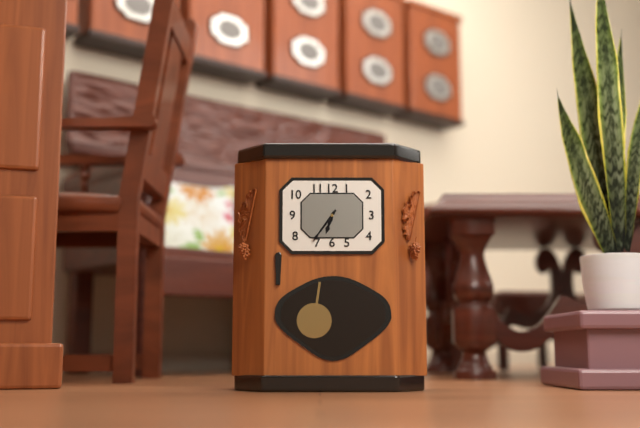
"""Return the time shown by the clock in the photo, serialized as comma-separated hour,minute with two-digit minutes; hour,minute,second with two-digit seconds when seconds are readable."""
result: 6,36
